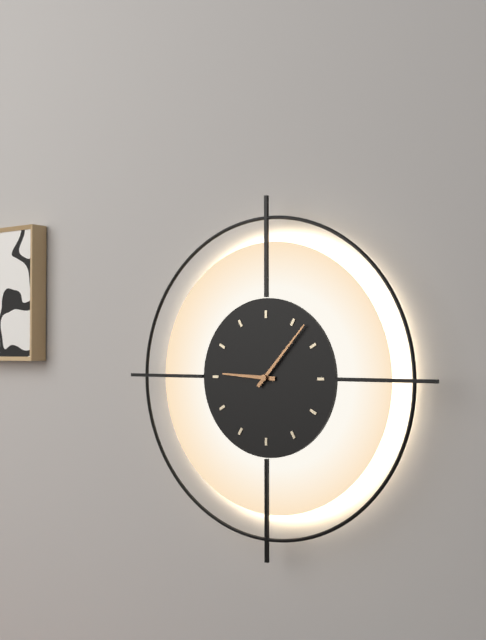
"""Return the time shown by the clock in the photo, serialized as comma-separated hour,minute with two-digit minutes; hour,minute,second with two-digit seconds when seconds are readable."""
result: 9,07
